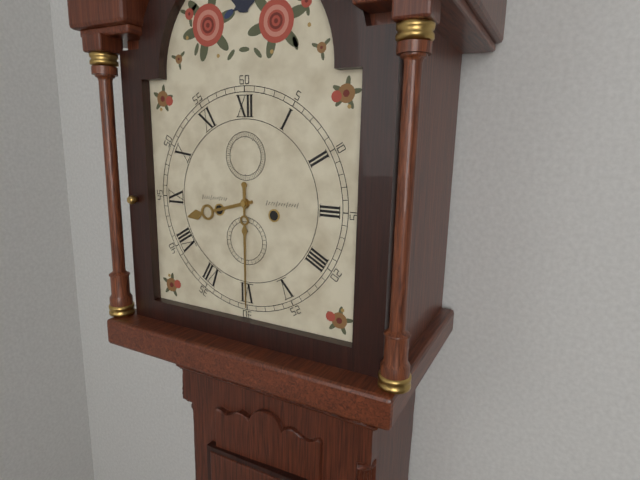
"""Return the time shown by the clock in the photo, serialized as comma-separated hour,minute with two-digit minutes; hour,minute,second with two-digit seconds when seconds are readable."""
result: 8,30
